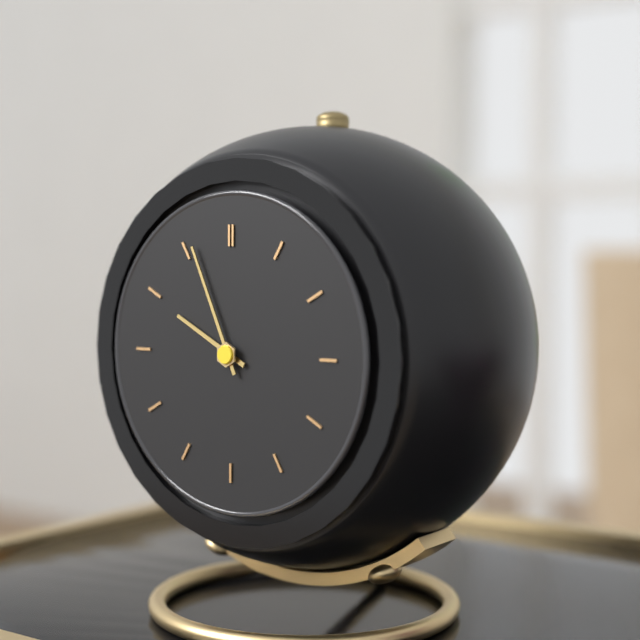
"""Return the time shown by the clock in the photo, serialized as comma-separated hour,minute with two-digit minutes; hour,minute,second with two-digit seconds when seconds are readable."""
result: 9,56
